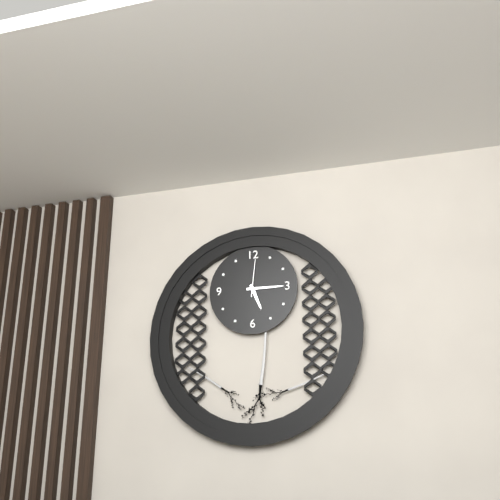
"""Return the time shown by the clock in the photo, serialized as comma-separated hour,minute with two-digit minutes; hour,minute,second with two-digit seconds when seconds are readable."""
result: 5,15
